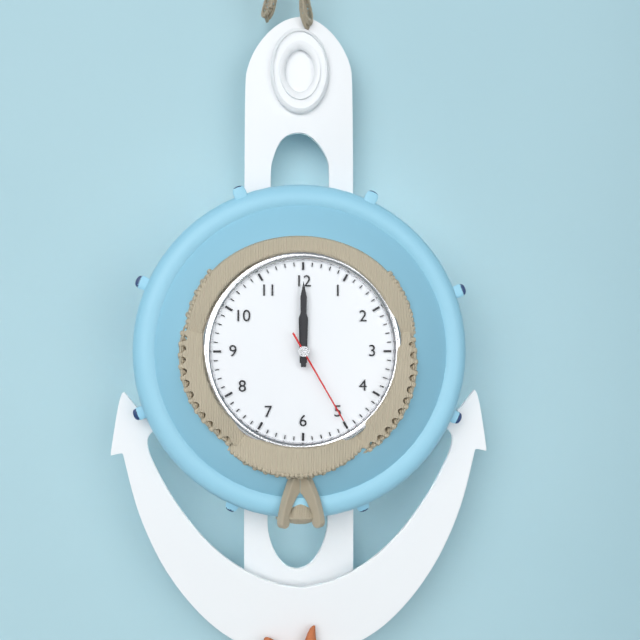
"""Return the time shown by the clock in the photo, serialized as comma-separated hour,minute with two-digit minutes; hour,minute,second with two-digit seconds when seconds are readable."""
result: 12,00,25
